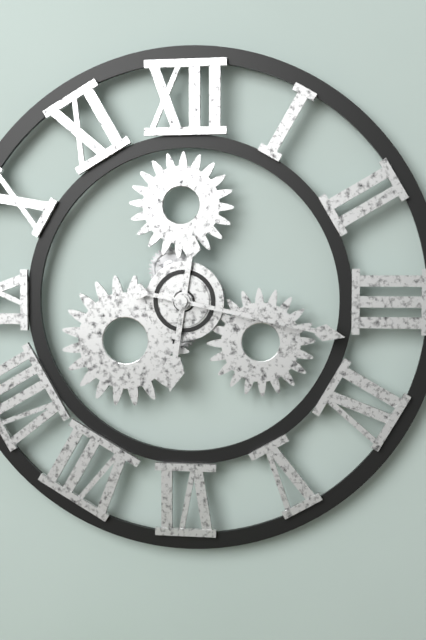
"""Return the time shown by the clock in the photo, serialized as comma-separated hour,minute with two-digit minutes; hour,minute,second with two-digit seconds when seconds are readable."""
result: 6,17
